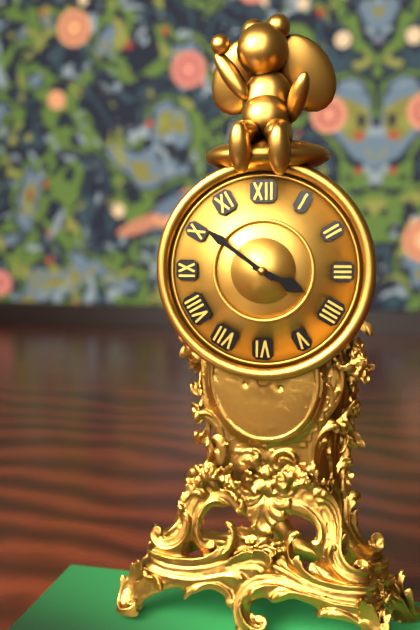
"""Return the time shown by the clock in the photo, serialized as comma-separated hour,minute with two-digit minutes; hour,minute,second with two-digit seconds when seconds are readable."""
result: 3,51
